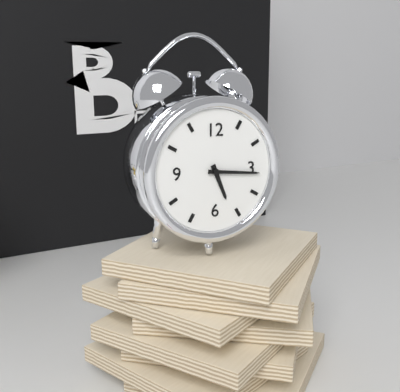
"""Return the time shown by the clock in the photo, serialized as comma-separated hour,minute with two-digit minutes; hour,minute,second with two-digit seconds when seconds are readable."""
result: 5,16
